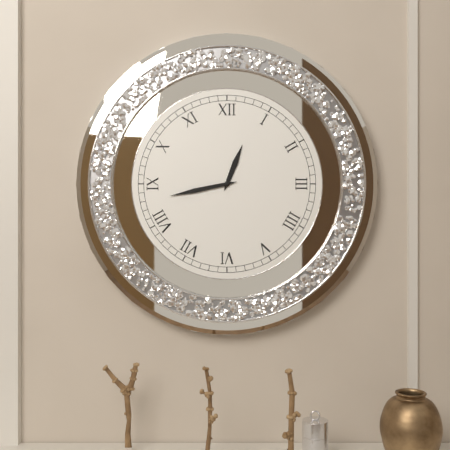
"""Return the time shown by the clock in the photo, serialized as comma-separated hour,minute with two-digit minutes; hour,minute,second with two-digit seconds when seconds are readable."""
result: 12,43
